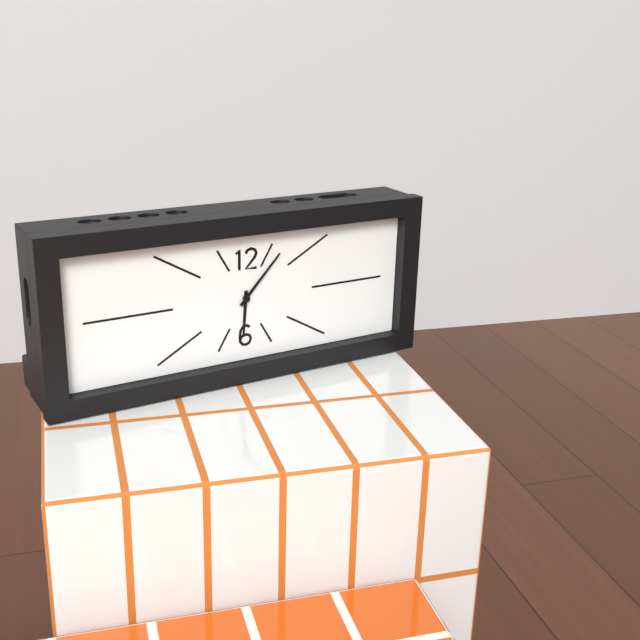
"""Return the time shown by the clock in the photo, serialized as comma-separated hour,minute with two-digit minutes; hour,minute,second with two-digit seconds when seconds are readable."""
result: 6,07
